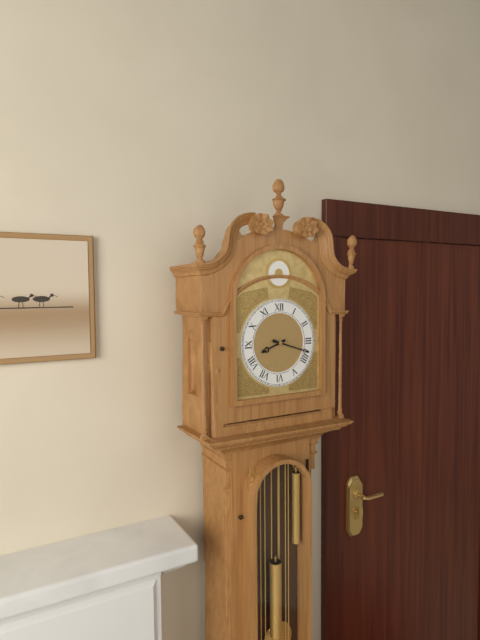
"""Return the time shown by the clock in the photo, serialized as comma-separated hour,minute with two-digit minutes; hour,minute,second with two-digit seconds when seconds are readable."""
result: 8,18
